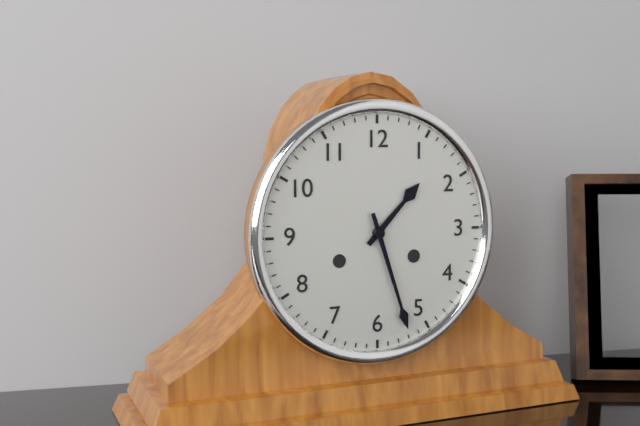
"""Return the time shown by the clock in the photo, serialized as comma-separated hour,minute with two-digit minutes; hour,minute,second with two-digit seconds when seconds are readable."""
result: 1,27
